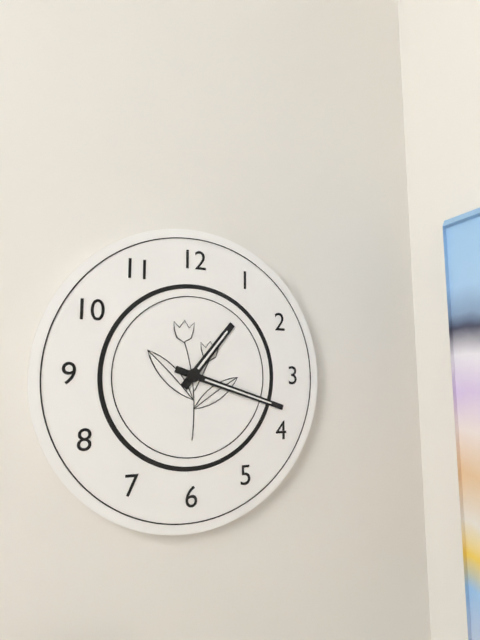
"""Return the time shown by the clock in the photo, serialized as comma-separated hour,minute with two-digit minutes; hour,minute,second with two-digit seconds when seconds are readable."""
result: 1,18
